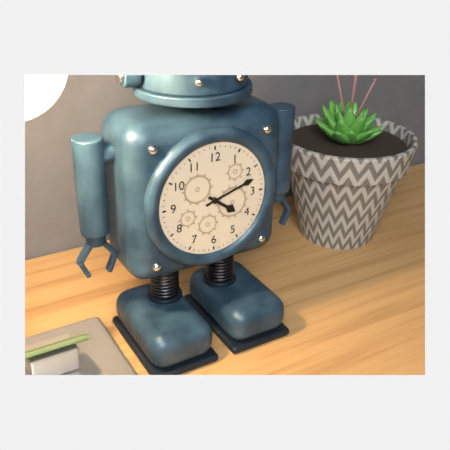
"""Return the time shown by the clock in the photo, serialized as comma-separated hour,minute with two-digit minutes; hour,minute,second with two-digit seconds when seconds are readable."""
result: 4,12
